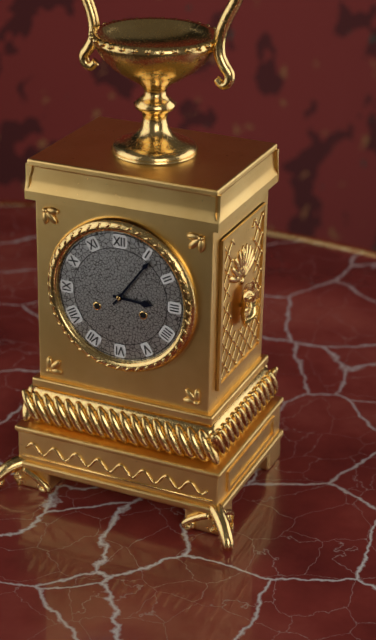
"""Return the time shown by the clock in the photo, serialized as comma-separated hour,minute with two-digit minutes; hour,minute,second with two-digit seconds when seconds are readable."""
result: 3,06
